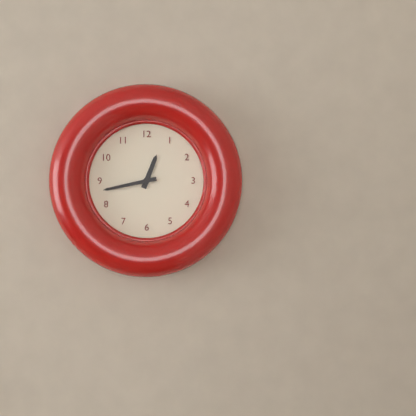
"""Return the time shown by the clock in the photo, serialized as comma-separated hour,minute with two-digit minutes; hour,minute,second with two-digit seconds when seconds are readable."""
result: 12,43
